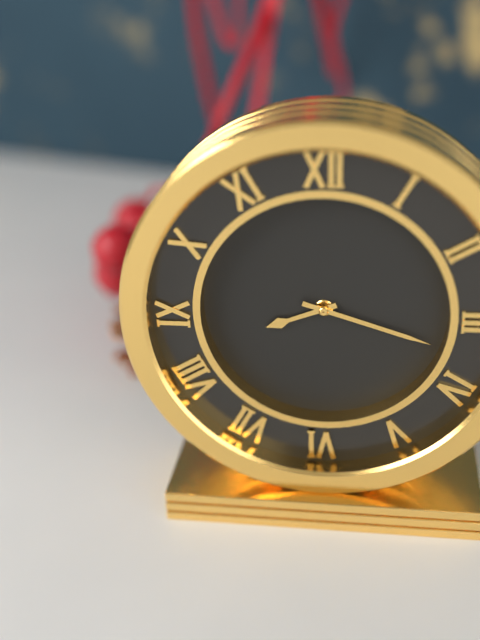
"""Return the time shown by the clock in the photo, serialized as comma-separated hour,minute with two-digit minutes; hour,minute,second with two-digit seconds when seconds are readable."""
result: 8,18
